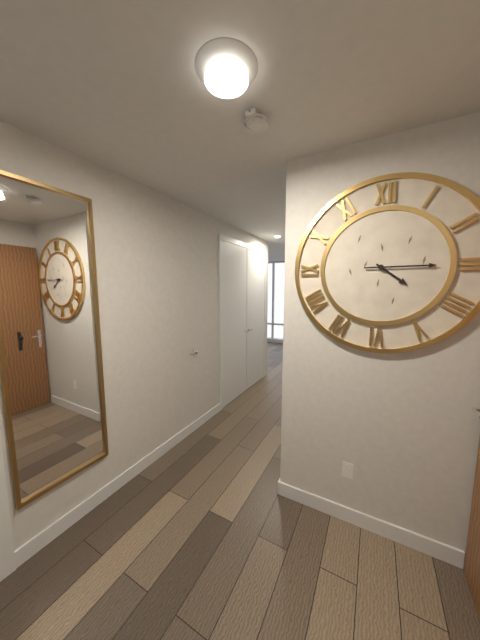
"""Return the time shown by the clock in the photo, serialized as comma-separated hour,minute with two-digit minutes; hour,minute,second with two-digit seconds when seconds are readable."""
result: 4,15
